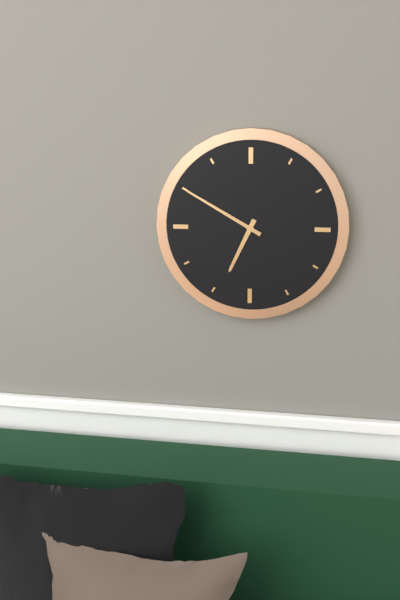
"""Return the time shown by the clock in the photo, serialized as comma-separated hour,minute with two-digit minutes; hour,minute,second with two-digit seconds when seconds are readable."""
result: 6,50
